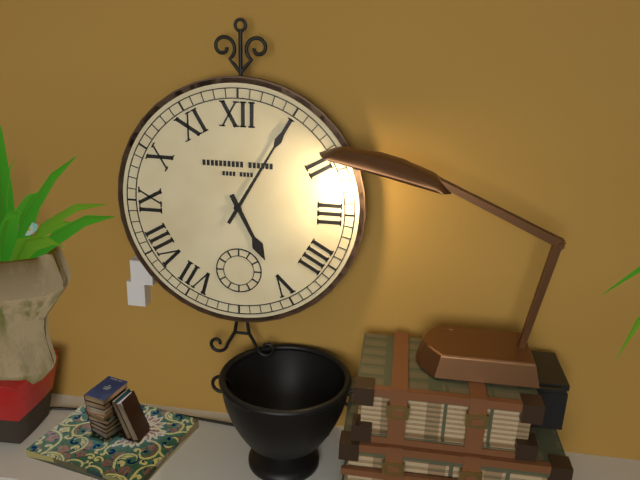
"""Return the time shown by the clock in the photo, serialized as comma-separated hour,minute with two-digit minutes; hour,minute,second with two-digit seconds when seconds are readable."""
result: 5,05
